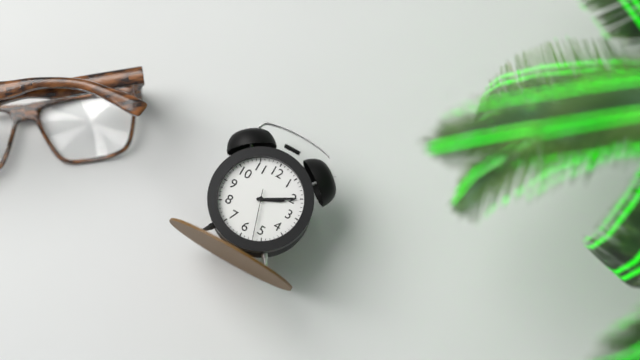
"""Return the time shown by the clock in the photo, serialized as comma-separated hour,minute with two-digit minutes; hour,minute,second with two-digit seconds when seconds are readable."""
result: 2,10
